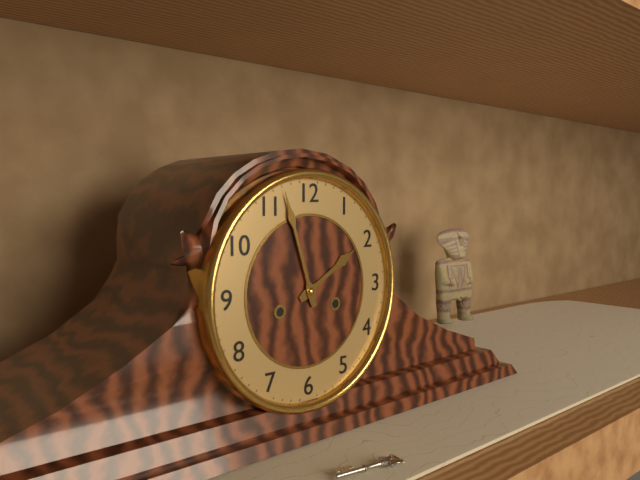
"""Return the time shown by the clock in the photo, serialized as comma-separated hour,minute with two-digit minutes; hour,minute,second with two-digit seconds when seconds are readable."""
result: 1,57
